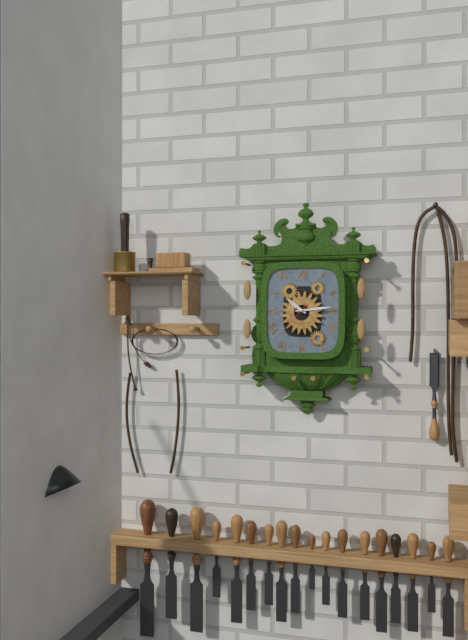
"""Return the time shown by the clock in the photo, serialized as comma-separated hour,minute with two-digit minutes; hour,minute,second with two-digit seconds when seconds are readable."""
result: 10,14
